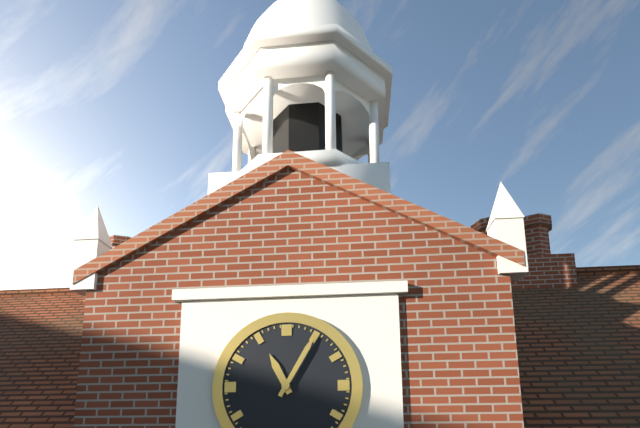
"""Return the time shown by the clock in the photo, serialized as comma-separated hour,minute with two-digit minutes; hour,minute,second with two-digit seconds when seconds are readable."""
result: 11,05
